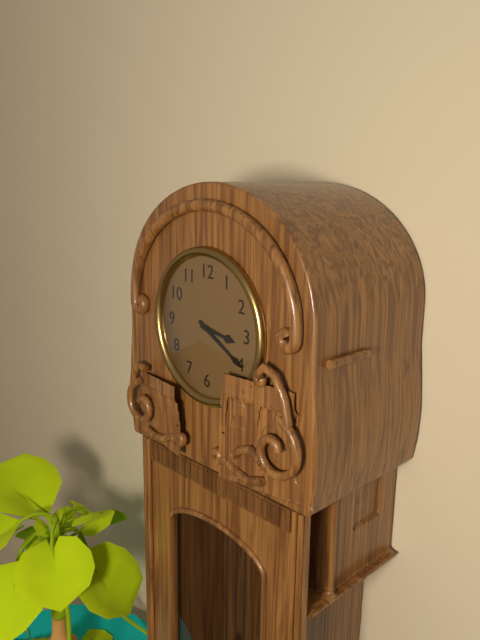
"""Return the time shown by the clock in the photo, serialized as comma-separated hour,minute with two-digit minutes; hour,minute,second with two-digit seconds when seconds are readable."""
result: 3,20
